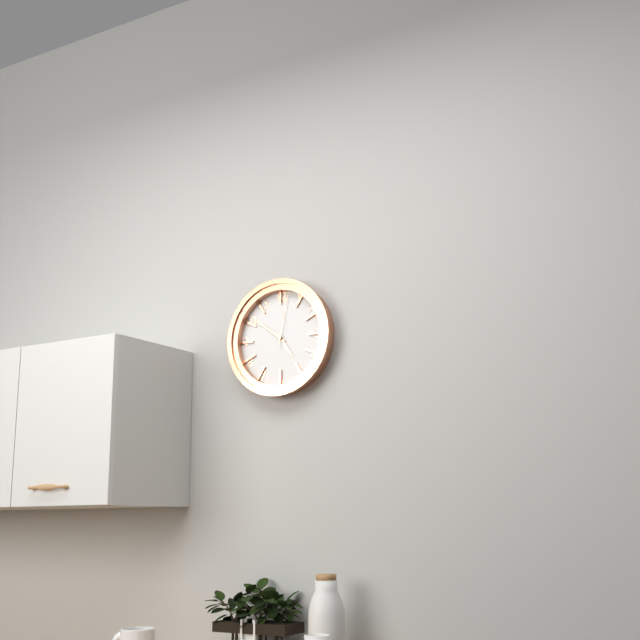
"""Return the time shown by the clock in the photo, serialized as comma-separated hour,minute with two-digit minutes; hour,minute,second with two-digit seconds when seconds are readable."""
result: 4,51,02
